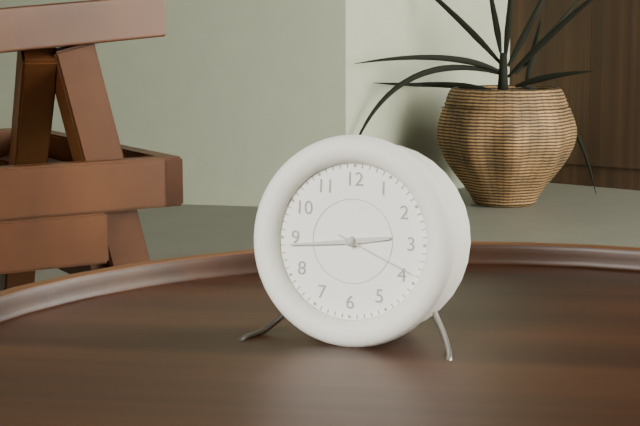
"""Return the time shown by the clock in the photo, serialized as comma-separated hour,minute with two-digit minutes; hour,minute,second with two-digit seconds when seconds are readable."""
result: 2,44,19
